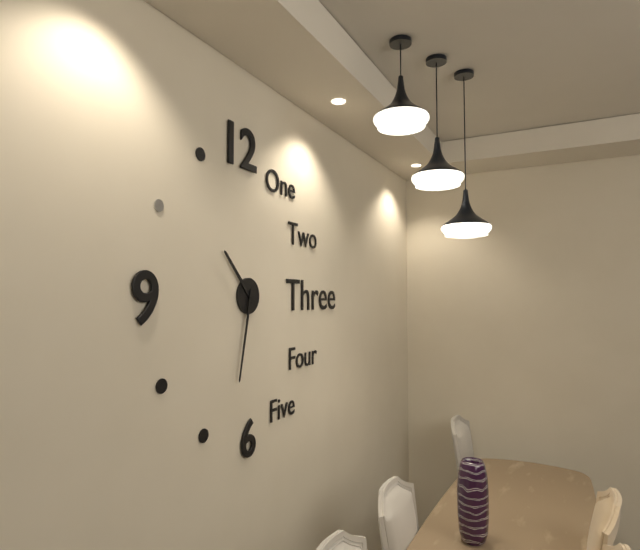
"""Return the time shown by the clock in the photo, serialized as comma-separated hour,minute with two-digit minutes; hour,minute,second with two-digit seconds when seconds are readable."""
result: 10,32
